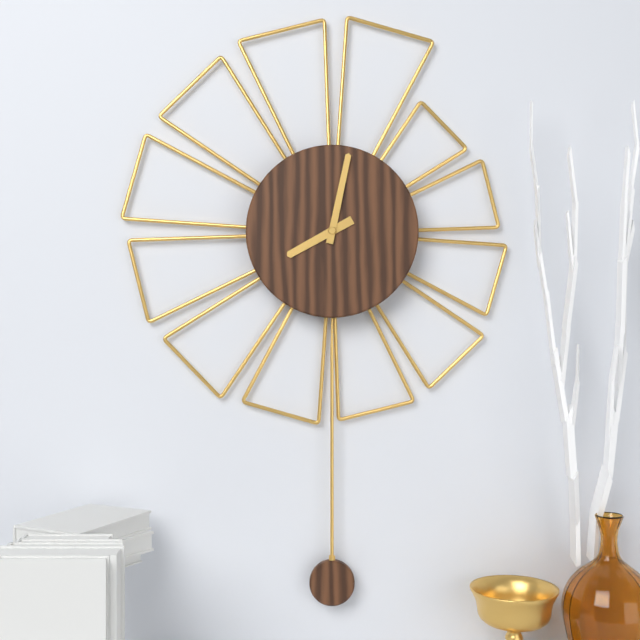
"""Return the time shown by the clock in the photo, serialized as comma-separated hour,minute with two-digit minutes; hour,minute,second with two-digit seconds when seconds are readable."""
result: 8,02
